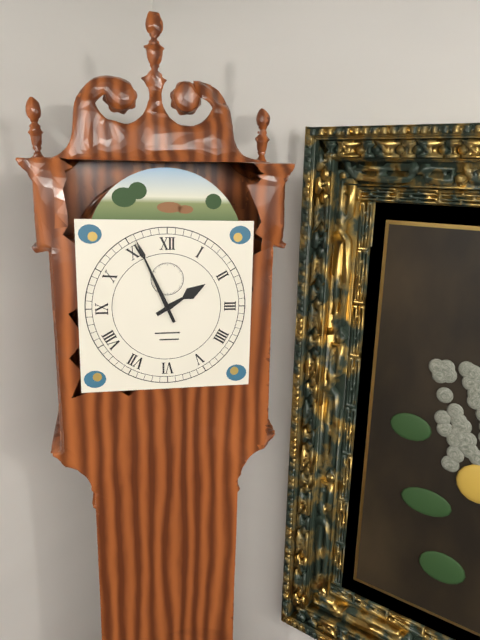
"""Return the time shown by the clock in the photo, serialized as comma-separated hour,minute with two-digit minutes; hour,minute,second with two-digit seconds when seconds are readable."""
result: 1,56
